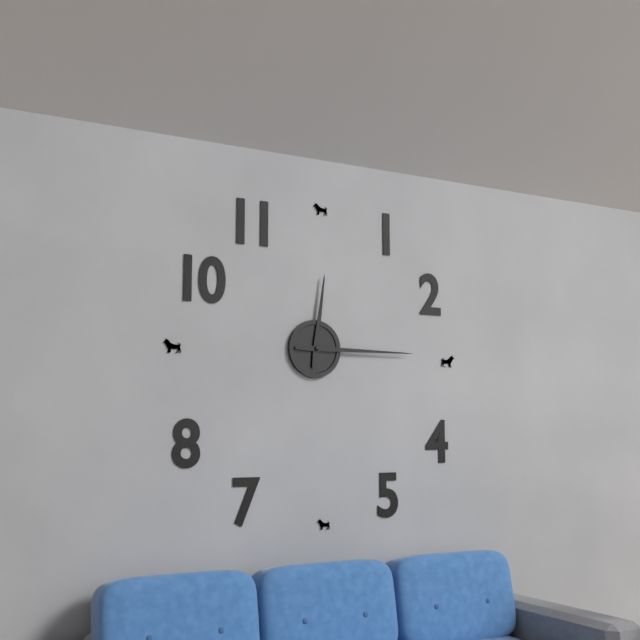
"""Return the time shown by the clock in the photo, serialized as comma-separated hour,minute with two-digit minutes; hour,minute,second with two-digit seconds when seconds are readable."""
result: 12,15
